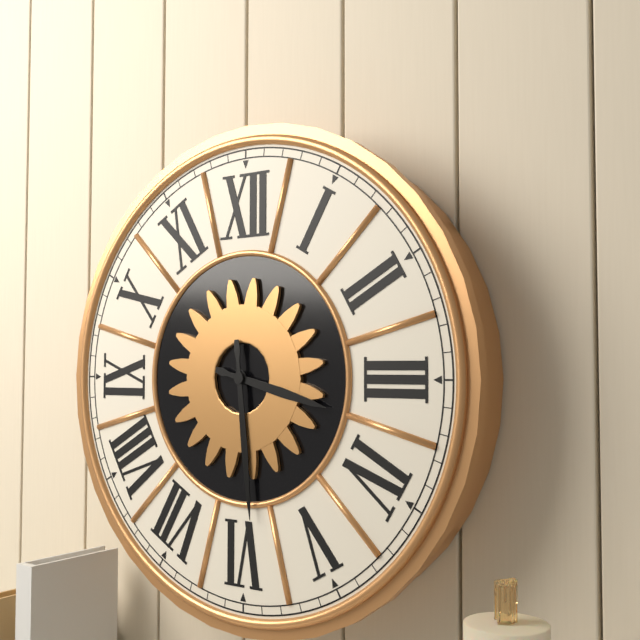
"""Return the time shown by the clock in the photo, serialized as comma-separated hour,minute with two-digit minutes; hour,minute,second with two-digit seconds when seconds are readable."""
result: 3,29
